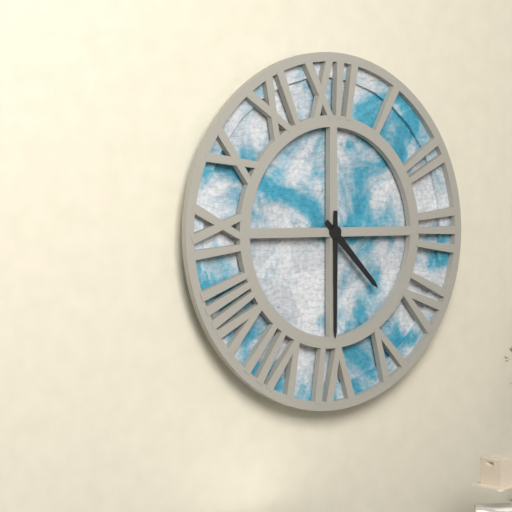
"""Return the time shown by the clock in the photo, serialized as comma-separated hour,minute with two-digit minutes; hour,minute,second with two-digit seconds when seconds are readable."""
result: 4,30
